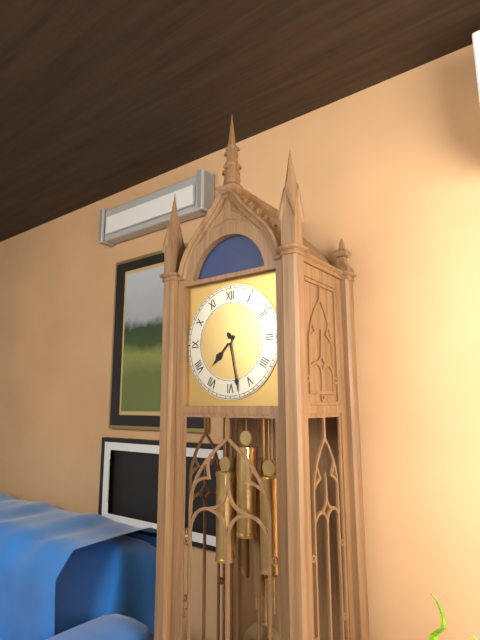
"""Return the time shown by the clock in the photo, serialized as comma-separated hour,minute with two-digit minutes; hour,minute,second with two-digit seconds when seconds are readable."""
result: 7,28
